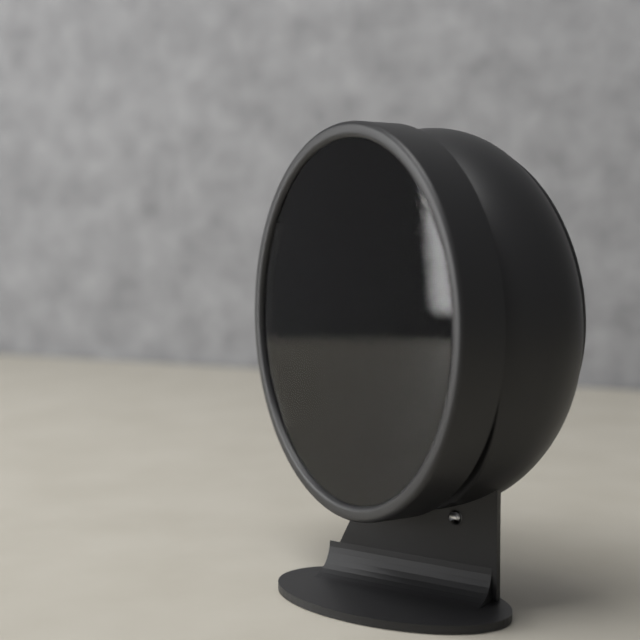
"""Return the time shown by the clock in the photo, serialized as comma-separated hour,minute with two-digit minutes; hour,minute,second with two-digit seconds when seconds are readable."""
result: 9,11,50
